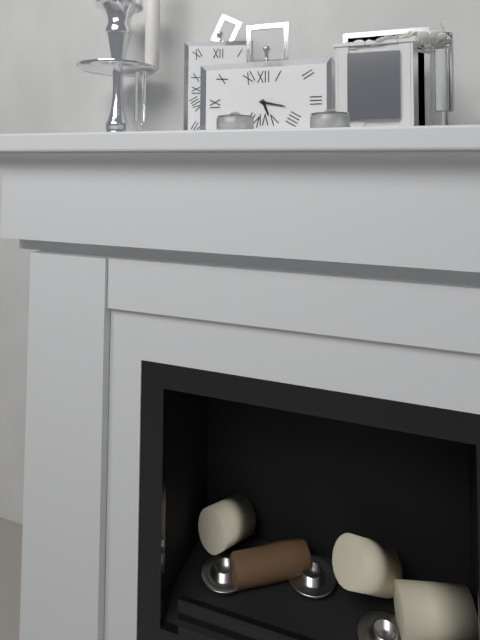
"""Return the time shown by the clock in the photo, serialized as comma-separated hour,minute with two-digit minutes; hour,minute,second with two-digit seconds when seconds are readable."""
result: 5,17
